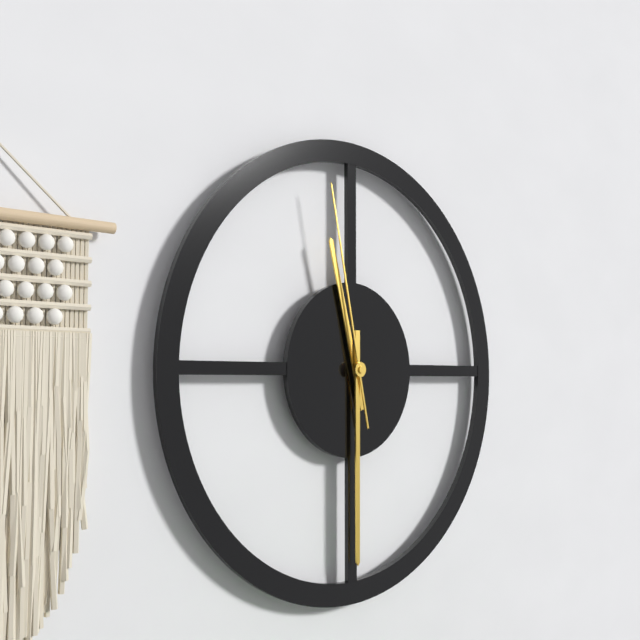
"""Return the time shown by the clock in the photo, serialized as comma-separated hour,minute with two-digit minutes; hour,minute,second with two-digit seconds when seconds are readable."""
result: 11,30,58
